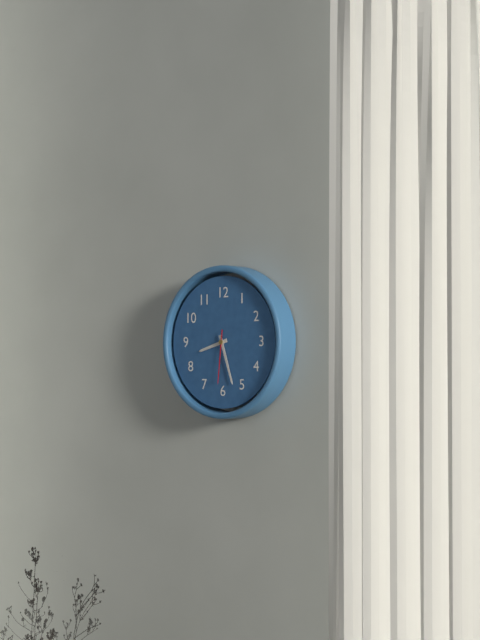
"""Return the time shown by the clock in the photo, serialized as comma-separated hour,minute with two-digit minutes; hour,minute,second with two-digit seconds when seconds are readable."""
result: 8,27,31
